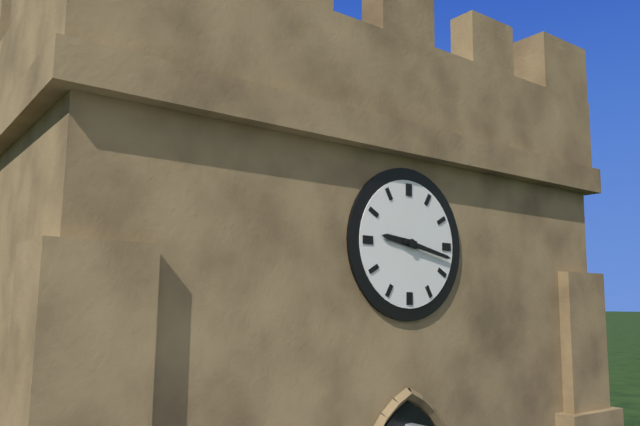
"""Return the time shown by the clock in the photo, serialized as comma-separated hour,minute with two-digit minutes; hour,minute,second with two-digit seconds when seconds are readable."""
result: 9,17
